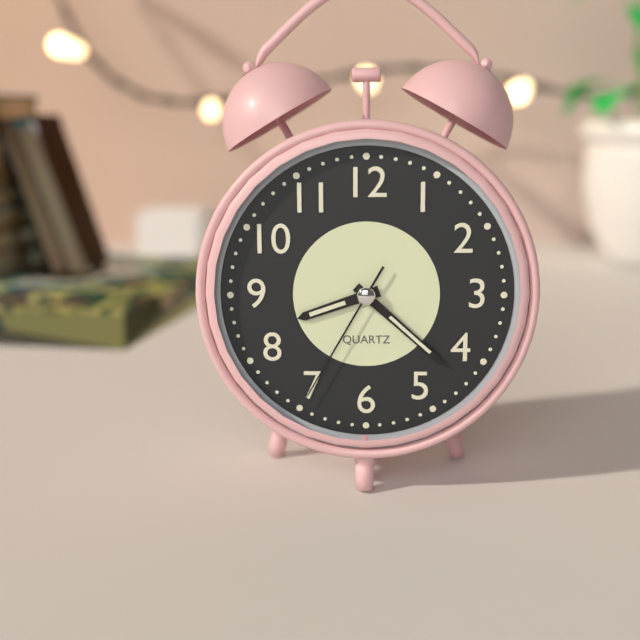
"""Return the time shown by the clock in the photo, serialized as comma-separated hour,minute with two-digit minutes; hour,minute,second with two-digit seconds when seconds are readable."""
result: 8,22,35
